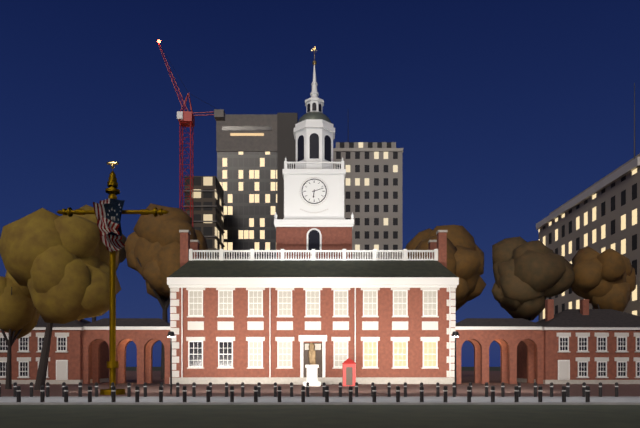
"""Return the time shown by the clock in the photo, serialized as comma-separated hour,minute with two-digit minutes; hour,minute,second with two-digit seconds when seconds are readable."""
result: 6,12
